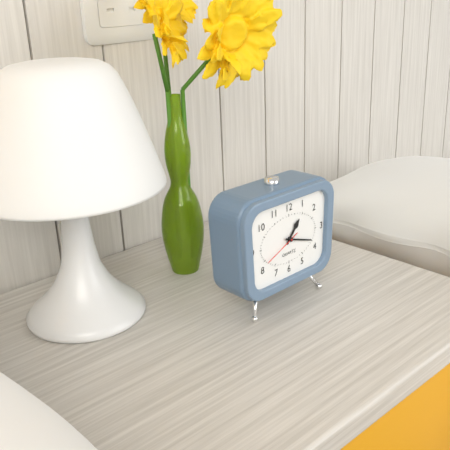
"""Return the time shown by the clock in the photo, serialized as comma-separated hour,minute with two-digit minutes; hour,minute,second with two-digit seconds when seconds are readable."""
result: 1,18
